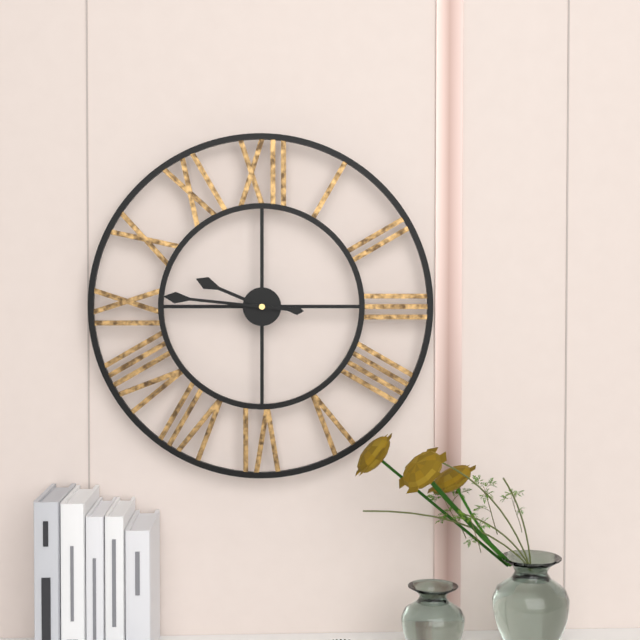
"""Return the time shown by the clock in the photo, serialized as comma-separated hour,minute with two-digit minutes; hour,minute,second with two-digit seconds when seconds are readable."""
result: 9,46
